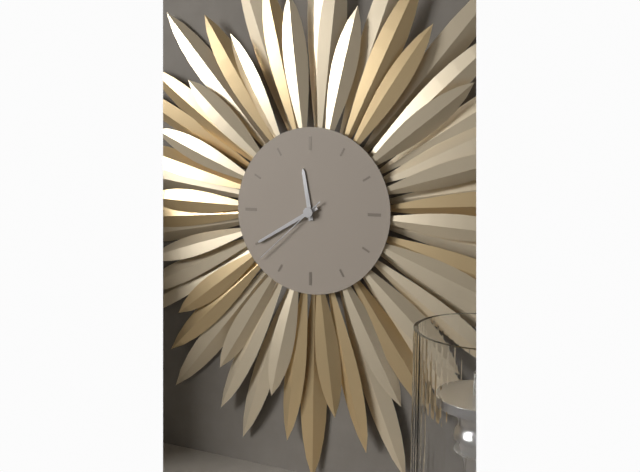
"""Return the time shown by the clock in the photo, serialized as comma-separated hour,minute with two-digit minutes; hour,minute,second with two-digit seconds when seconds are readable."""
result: 11,40,38
